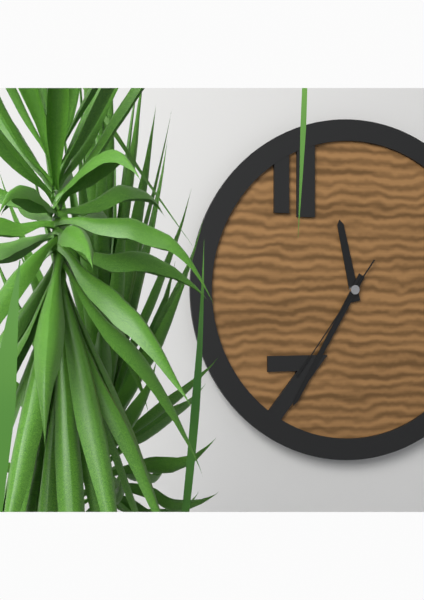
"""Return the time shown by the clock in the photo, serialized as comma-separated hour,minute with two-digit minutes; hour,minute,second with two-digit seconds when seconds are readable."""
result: 11,35,36
